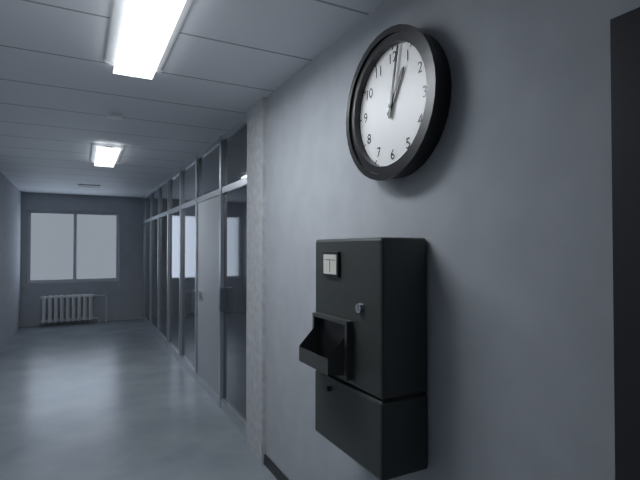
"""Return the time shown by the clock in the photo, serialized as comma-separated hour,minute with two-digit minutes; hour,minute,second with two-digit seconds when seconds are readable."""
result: 1,02
